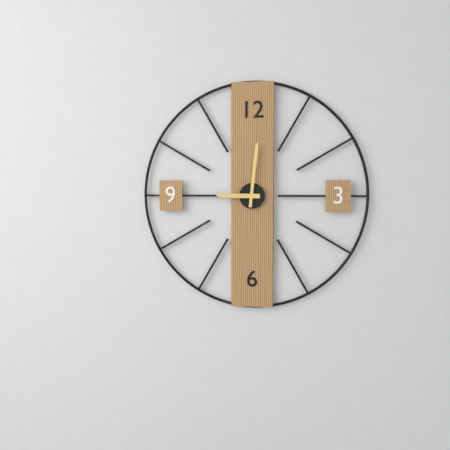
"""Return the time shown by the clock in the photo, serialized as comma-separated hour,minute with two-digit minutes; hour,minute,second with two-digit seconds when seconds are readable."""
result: 9,01
